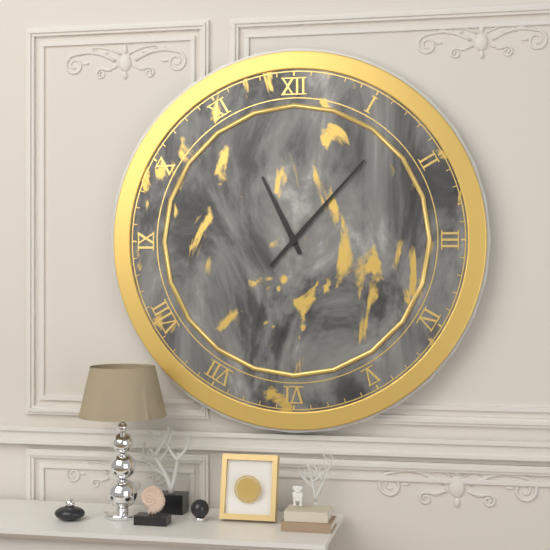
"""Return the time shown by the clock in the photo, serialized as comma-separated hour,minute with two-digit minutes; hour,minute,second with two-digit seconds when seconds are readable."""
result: 11,07
